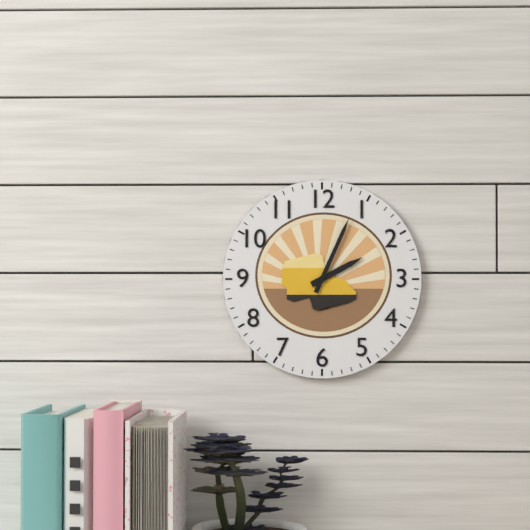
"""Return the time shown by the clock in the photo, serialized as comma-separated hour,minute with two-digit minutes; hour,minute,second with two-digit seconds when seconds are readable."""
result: 2,04
